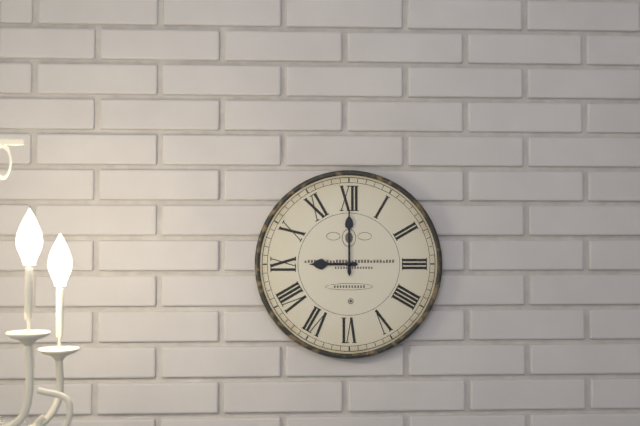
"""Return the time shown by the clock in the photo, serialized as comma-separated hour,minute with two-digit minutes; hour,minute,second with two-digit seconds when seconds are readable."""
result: 9,00
